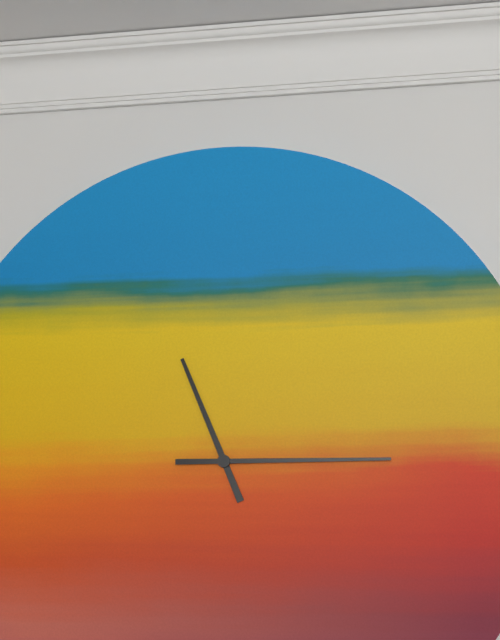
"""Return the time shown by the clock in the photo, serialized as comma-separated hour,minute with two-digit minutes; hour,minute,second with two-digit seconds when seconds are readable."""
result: 11,15
